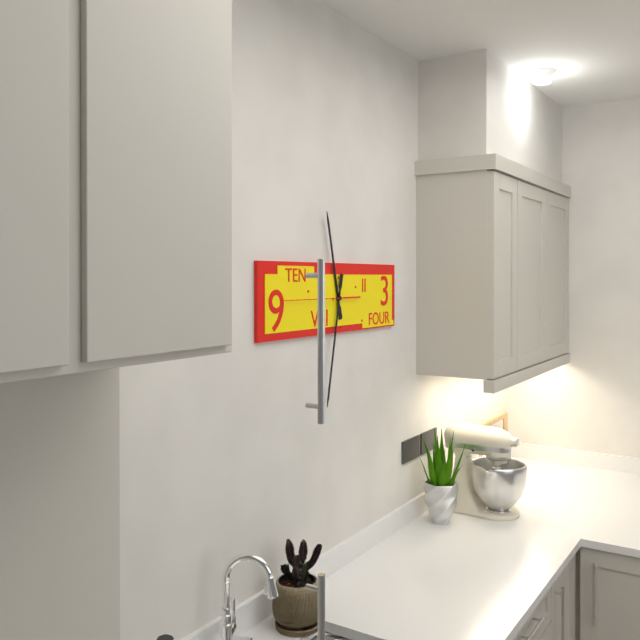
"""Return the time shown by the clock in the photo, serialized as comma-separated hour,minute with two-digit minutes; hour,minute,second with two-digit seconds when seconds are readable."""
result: 11,32,45
